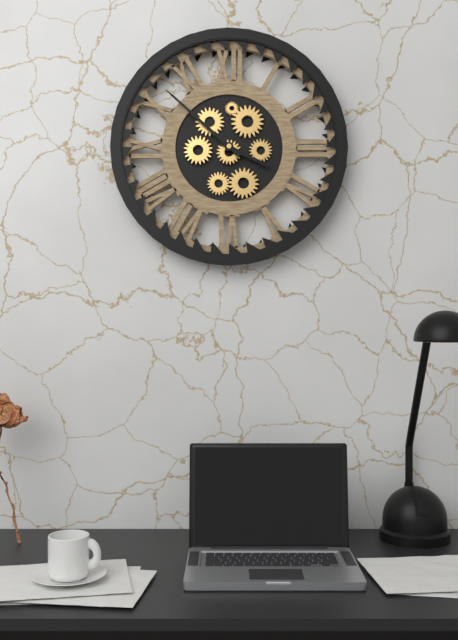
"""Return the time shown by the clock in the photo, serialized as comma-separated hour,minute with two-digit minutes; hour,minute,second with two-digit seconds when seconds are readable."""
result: 3,52
